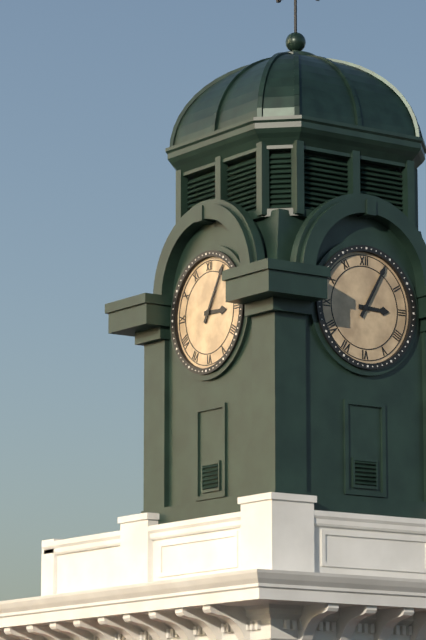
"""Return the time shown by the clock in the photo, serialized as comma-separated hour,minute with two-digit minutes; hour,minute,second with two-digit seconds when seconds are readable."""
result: 3,05
